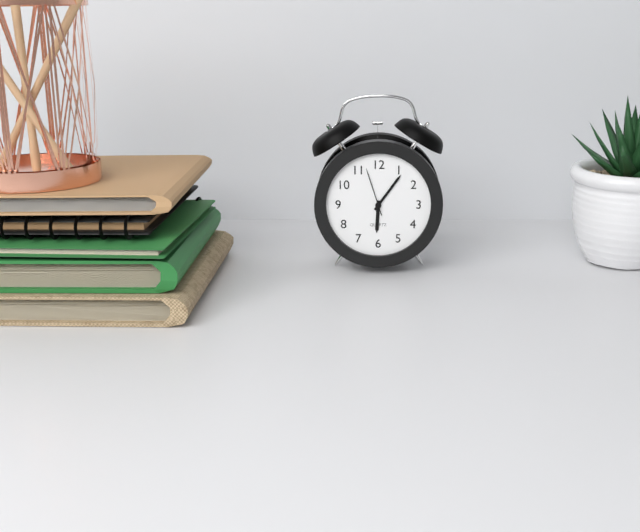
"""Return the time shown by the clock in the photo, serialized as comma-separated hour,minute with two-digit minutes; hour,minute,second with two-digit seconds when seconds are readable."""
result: 6,06
